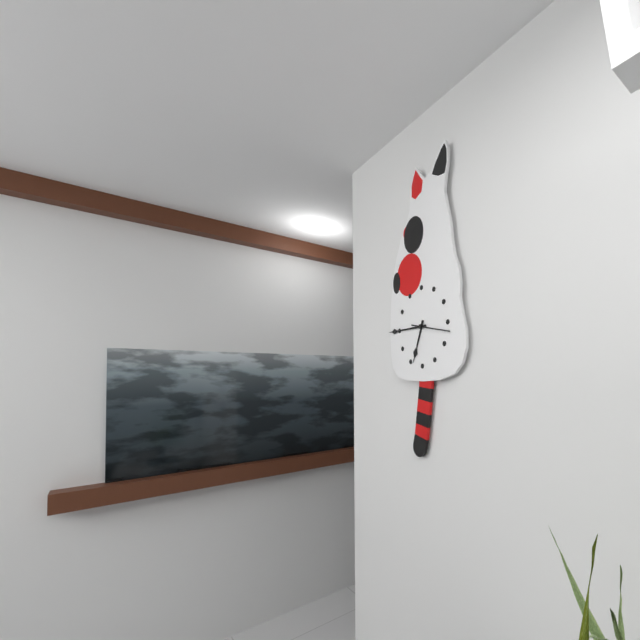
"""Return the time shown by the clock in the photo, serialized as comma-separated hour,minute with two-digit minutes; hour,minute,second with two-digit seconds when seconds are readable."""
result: 6,45
